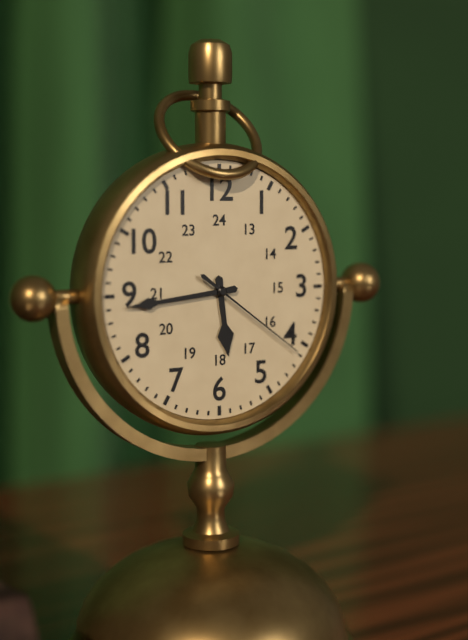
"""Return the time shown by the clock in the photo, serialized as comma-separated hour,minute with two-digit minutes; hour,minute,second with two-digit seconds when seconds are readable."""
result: 5,44,21
